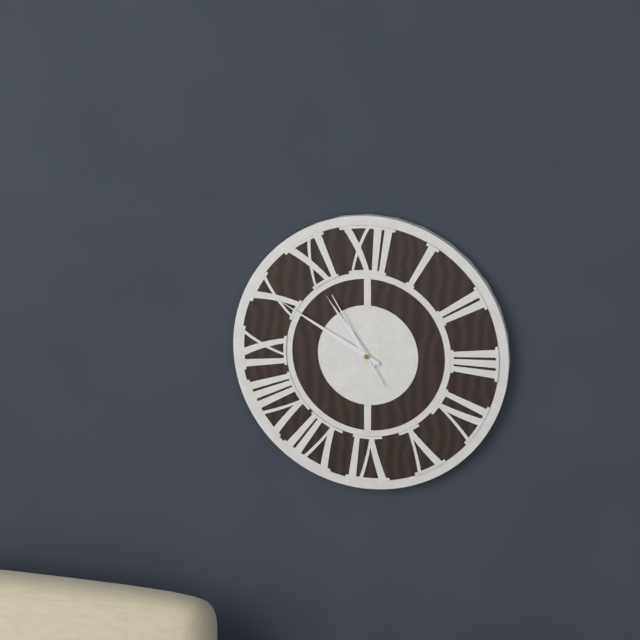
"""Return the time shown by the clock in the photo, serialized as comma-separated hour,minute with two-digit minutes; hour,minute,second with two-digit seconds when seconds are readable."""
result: 10,50,55
